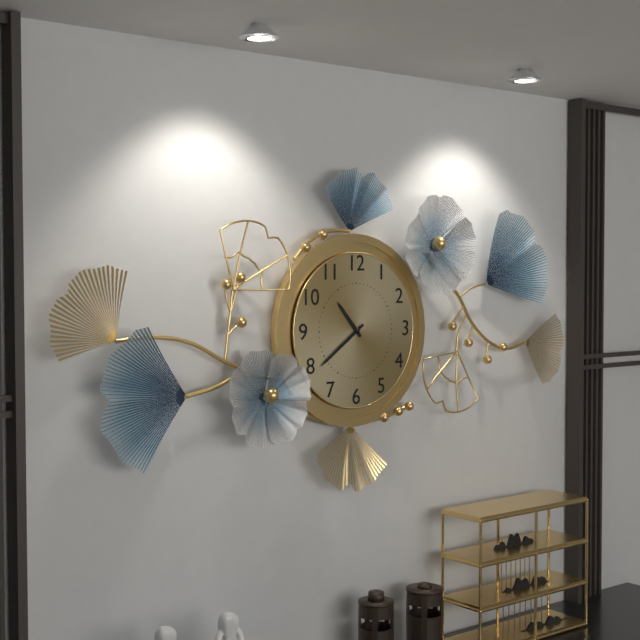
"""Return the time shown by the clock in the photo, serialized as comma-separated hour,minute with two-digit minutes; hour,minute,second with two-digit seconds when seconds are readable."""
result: 10,39
